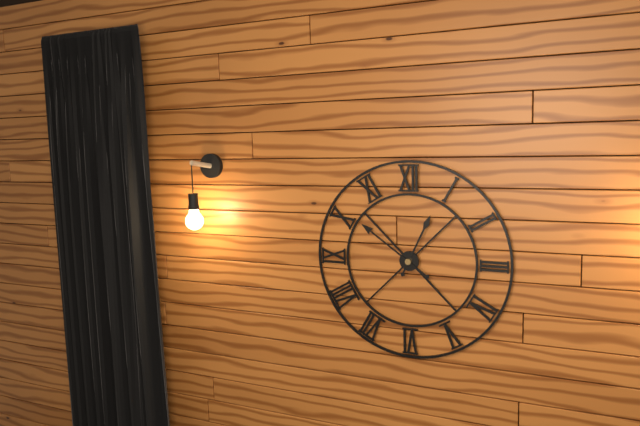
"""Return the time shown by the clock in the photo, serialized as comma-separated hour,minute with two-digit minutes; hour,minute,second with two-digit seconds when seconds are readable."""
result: 12,51
